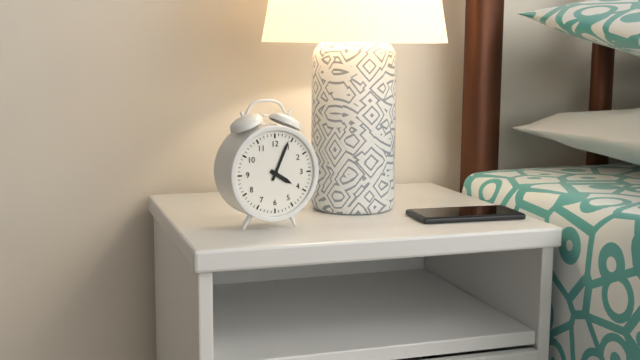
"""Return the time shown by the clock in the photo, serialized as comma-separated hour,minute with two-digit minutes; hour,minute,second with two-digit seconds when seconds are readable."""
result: 4,04
